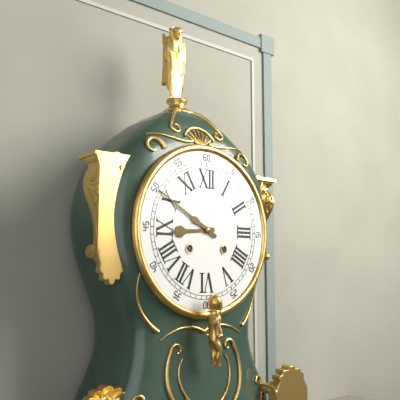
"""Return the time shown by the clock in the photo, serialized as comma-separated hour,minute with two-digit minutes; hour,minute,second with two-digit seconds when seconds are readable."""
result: 8,50
